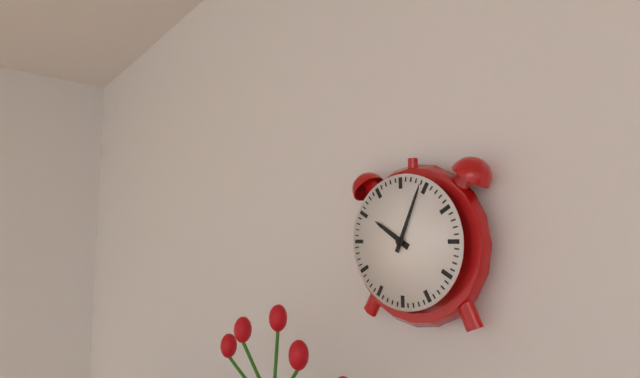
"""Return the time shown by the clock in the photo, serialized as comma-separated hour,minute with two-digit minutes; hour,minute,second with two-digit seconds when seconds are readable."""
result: 10,04
